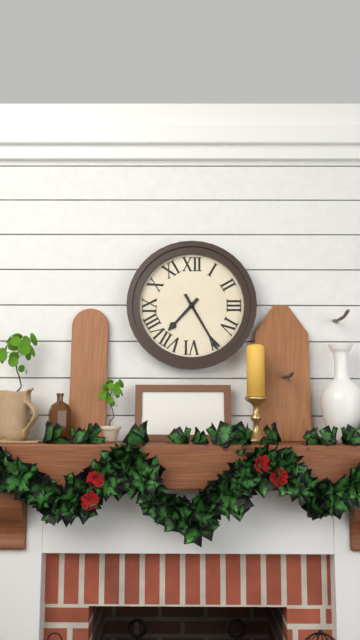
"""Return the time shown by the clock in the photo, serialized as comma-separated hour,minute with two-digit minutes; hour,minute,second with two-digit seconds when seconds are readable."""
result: 7,25
